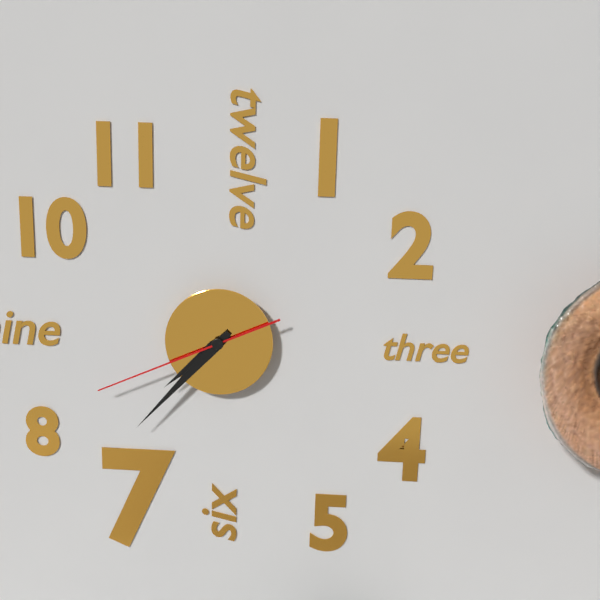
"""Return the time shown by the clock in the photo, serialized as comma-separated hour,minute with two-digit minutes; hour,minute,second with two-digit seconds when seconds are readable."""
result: 7,37,41
